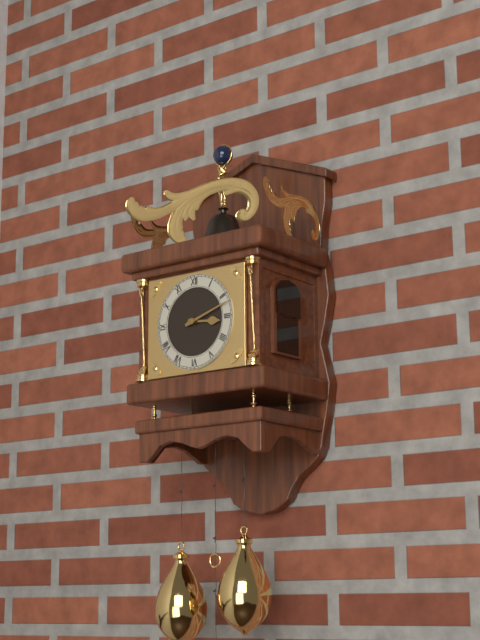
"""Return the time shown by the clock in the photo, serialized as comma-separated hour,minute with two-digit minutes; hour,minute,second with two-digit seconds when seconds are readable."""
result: 3,12
